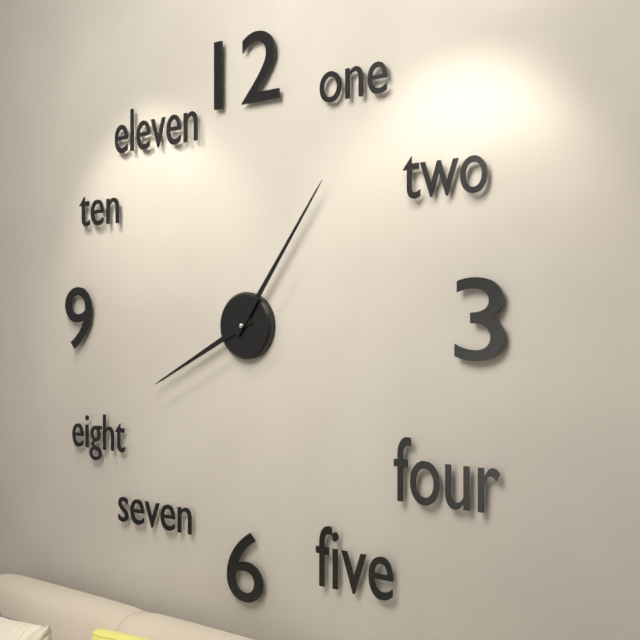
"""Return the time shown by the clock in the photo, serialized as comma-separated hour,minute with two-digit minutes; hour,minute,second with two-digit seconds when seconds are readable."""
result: 8,06
